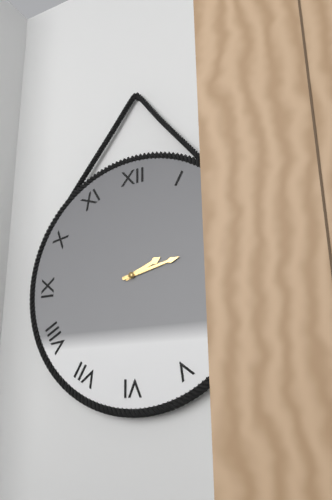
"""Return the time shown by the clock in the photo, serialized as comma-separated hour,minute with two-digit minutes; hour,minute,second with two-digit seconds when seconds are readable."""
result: 2,13
